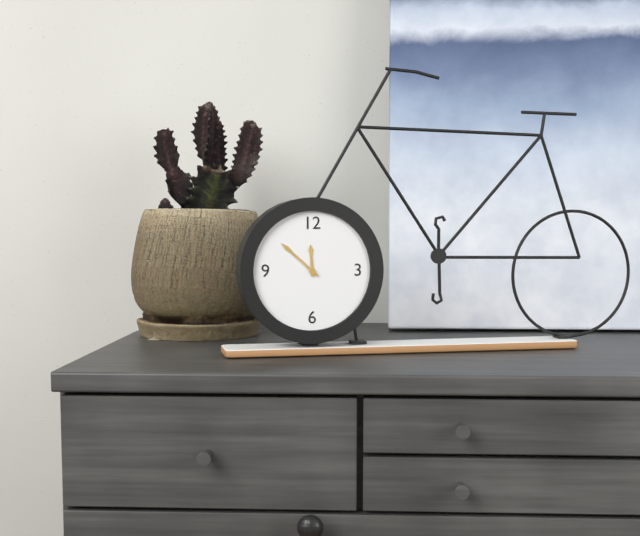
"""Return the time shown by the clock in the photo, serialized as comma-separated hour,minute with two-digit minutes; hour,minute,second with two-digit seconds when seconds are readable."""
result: 11,52
